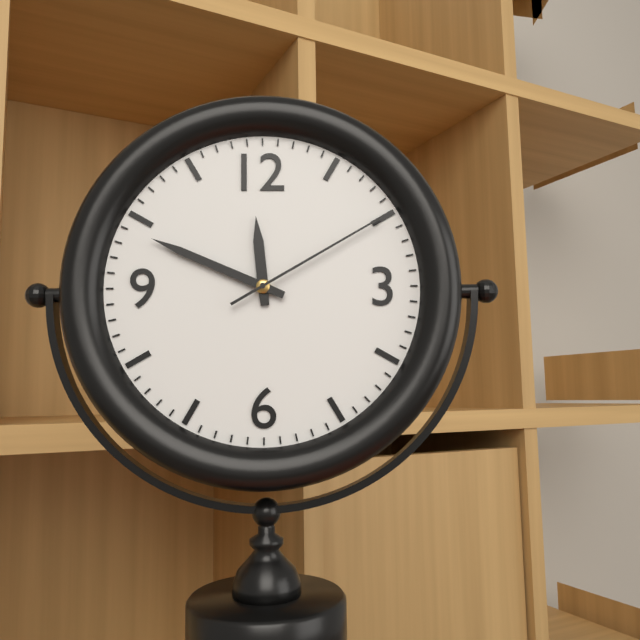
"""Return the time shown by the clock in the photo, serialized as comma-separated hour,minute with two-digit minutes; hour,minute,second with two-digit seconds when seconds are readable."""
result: 11,49,10
